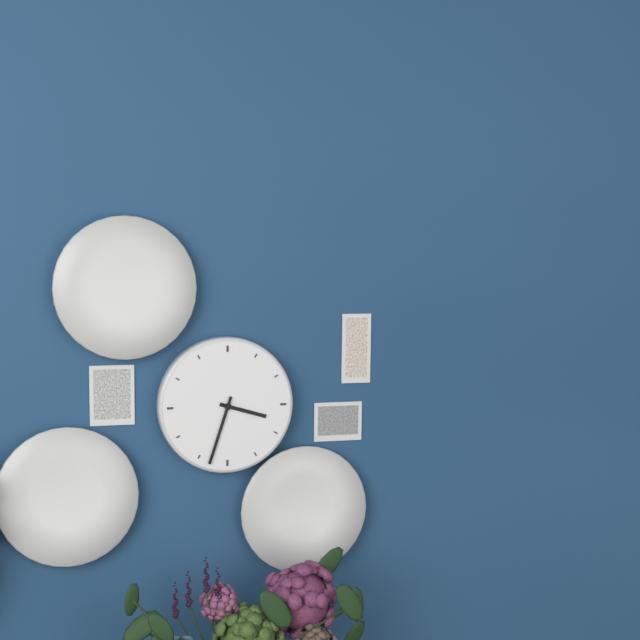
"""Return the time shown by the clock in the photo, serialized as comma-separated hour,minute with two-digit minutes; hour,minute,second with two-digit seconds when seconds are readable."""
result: 3,33
